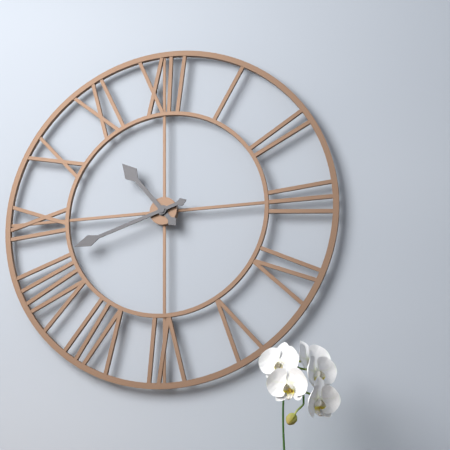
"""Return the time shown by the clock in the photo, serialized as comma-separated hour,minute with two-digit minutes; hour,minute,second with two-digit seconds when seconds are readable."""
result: 10,42
